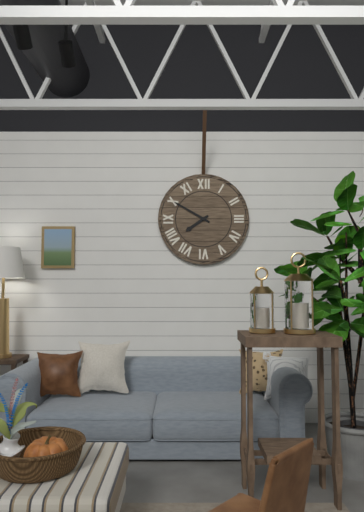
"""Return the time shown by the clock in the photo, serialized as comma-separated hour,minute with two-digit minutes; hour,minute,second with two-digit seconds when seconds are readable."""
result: 7,50
